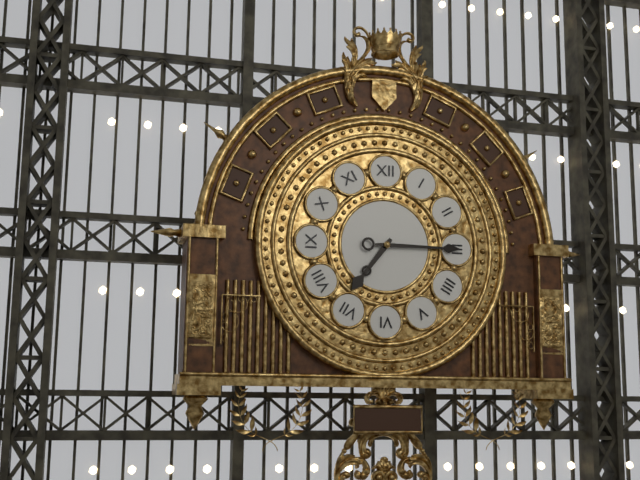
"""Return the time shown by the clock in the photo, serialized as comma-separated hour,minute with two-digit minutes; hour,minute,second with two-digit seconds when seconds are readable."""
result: 7,15
